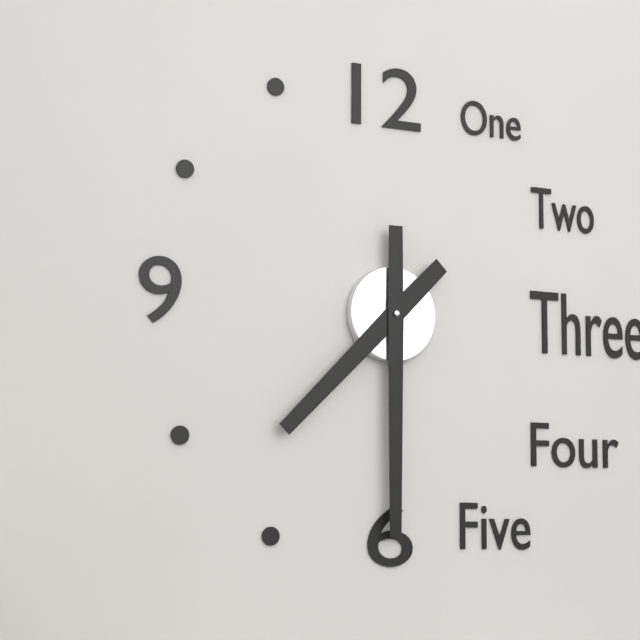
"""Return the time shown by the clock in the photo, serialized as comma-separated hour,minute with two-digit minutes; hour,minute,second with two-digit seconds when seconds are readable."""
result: 7,30
